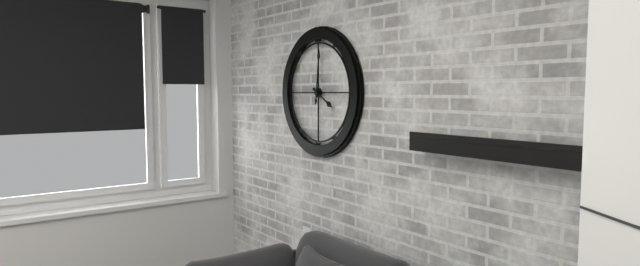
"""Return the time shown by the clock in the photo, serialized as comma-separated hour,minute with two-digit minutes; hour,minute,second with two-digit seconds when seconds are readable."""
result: 4,01
